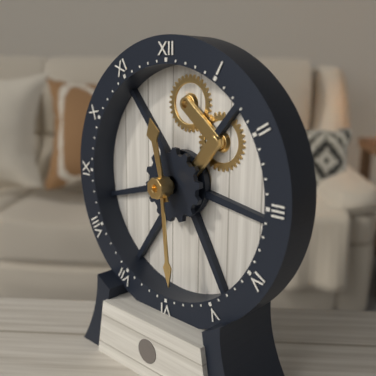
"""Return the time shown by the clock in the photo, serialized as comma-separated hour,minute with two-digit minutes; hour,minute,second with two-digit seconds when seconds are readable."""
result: 11,29
